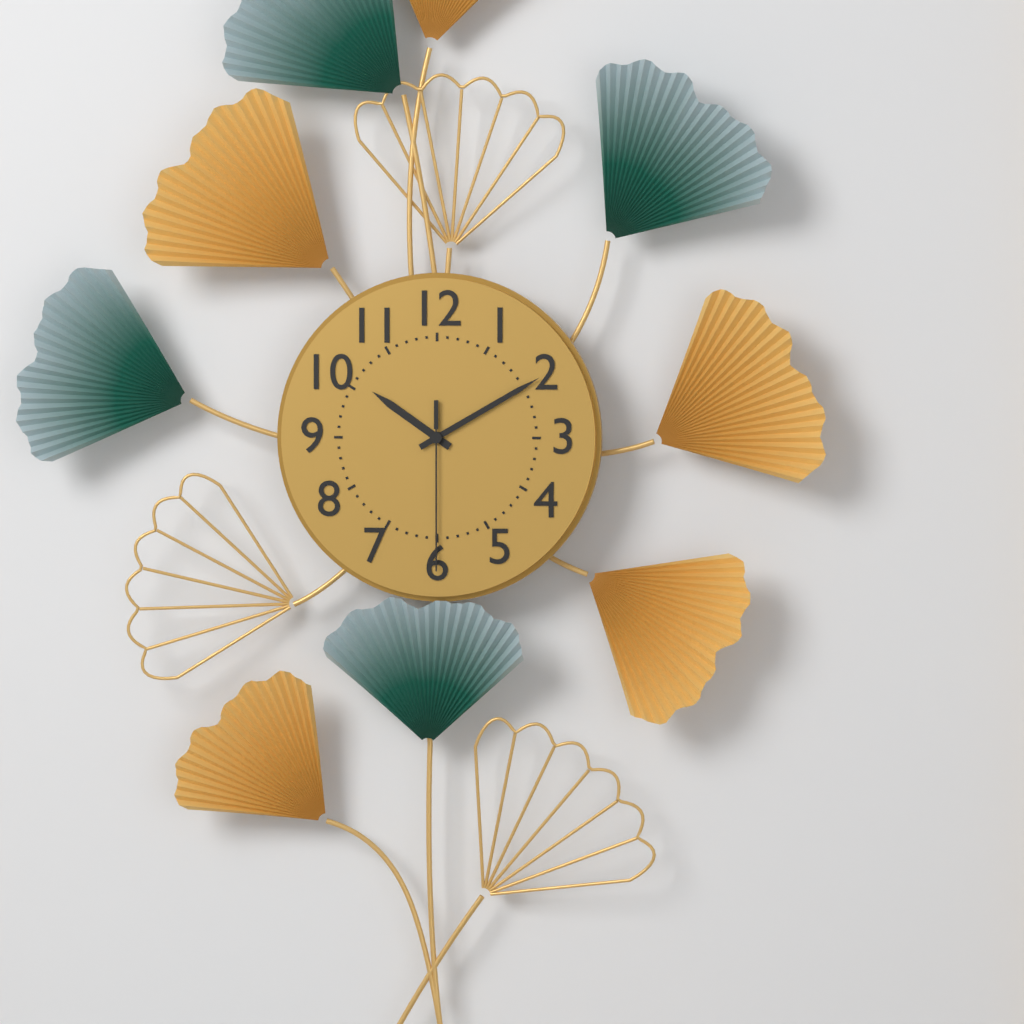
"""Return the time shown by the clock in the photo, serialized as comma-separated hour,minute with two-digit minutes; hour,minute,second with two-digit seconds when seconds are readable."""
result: 10,10,30
